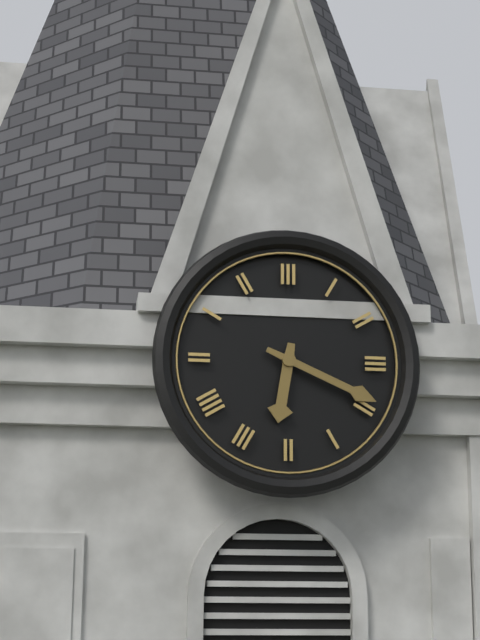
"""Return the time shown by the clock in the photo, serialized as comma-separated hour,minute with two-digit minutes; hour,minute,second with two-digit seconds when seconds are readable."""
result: 6,19
